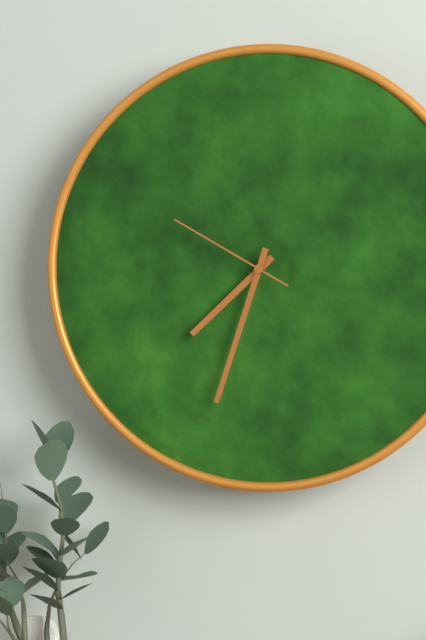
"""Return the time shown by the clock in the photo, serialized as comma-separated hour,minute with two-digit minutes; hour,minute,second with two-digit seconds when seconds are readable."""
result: 7,33,50
